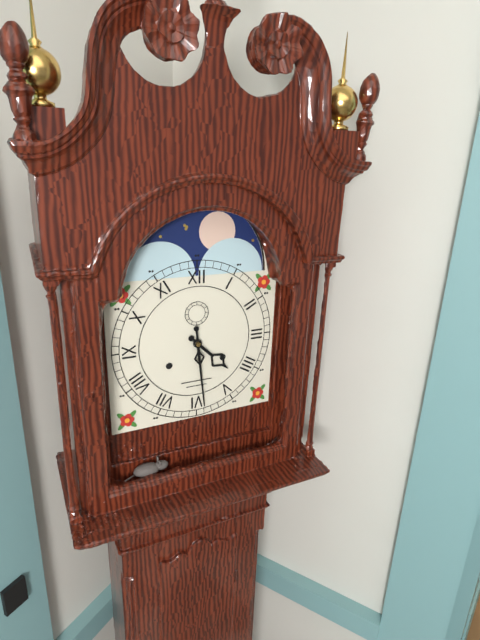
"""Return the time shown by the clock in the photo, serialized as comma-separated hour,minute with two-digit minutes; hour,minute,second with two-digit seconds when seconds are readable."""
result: 4,29
